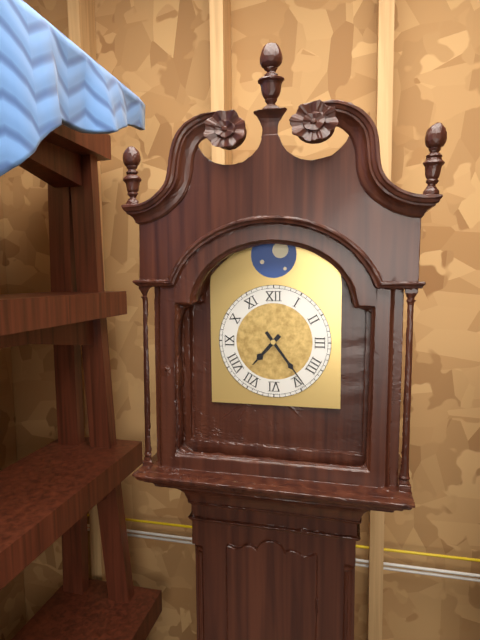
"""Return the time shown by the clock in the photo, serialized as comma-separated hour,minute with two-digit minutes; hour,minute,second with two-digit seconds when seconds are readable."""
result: 7,24
